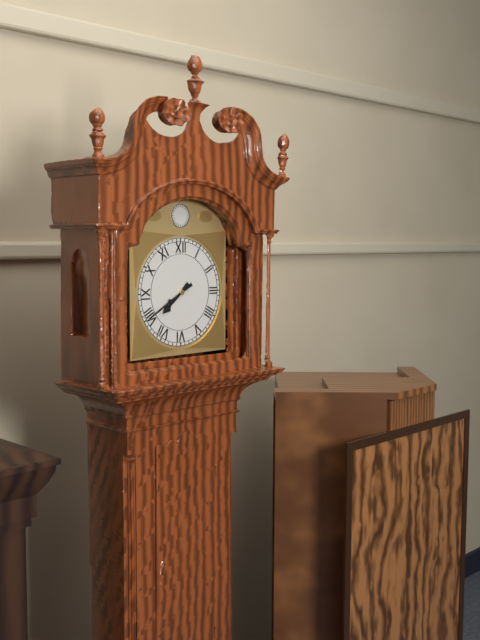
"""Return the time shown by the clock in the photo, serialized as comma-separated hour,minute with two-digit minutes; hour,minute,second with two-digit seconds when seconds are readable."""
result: 7,40
